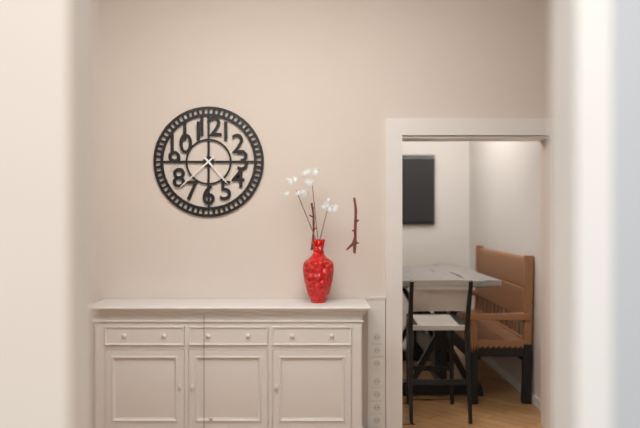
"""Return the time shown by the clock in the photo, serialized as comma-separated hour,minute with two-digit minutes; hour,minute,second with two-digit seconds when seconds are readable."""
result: 4,38
